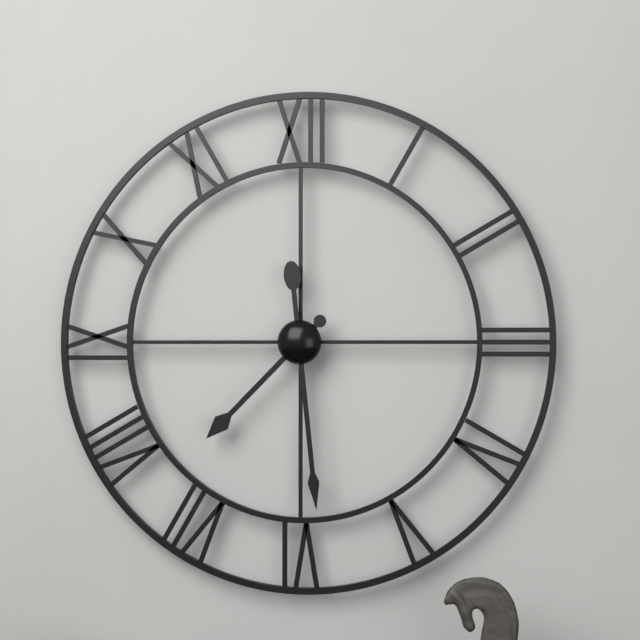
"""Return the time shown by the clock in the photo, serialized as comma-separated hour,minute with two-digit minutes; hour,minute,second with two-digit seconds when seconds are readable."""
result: 7,29
